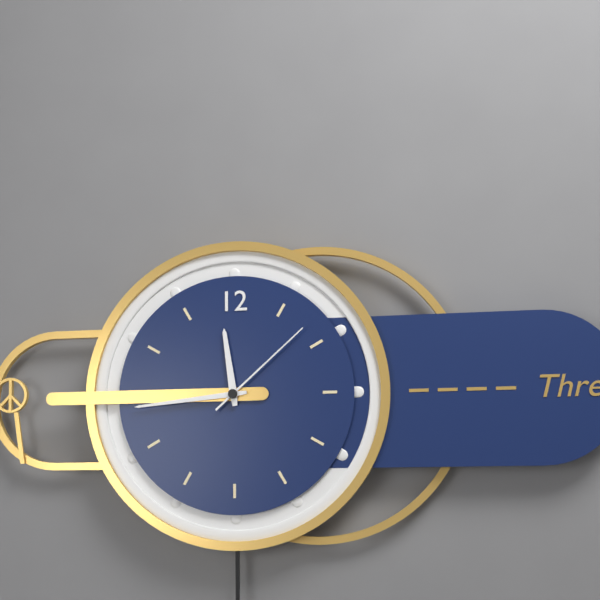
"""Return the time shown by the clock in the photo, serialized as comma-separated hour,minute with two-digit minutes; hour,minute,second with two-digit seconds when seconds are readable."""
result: 11,44,08
